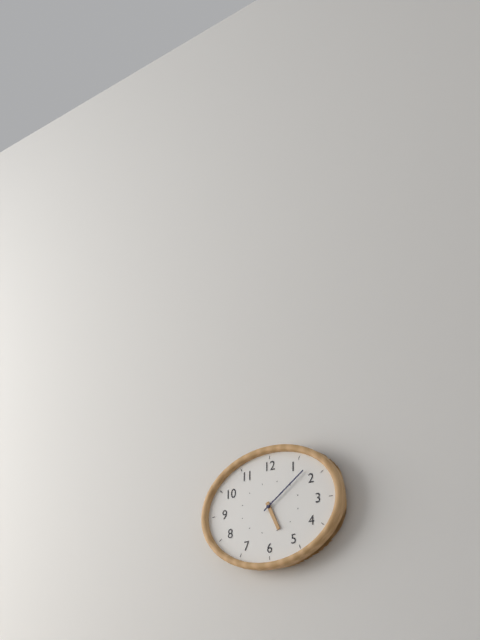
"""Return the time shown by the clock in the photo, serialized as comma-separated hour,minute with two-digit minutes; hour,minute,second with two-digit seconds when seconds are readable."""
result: 5,09
